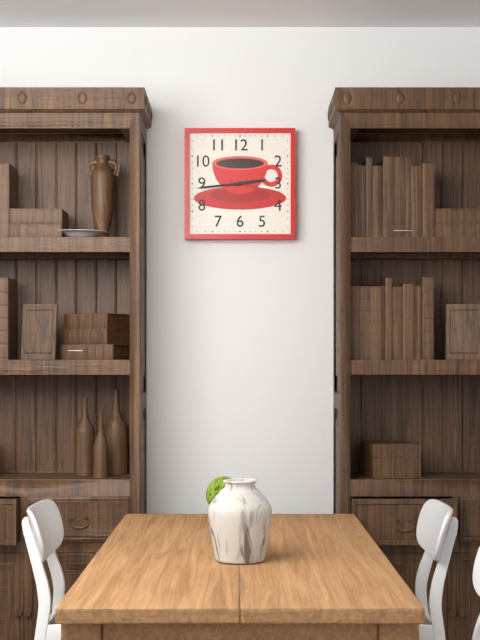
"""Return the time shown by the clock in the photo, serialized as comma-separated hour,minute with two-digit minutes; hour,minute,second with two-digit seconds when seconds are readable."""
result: 2,44,17
